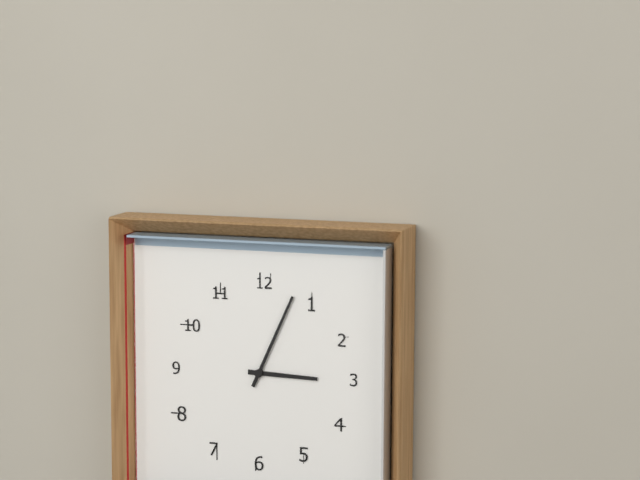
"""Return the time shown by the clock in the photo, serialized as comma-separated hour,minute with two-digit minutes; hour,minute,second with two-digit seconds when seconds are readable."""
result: 3,04
